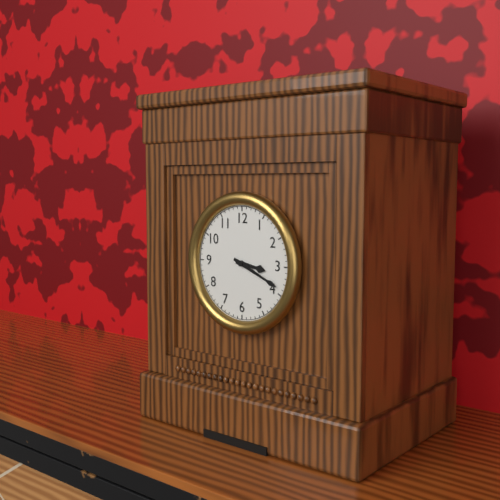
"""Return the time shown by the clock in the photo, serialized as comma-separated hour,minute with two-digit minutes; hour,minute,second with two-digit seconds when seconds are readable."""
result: 3,19
